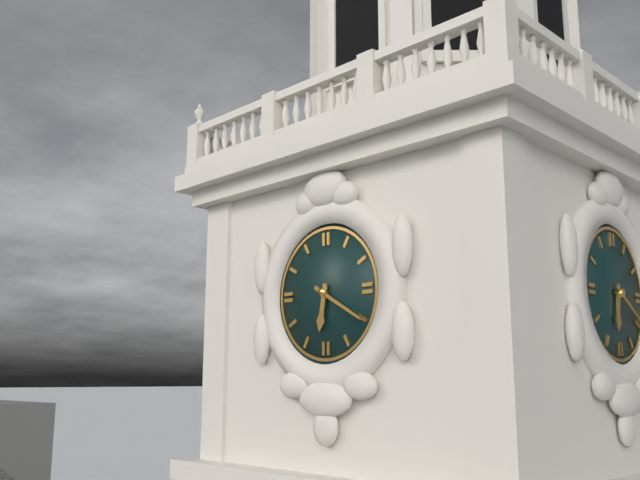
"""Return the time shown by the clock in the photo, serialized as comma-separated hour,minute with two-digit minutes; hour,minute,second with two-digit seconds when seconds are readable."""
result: 6,20
